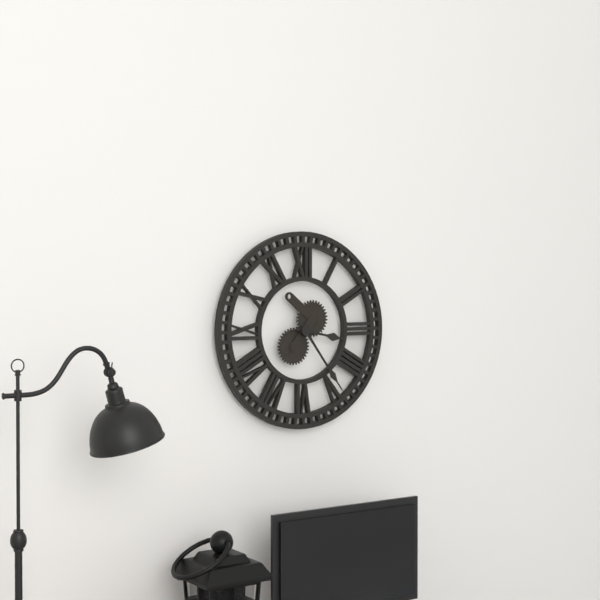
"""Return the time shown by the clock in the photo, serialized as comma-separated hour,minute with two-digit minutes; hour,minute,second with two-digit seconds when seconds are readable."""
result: 3,24
